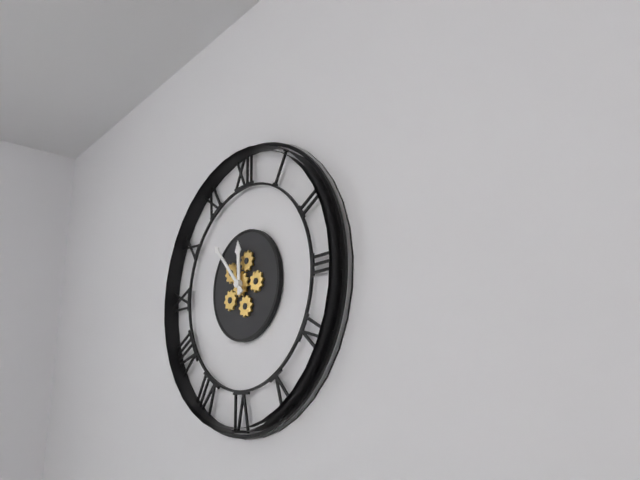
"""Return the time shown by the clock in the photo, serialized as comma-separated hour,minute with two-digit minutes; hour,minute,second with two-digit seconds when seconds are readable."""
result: 11,53
